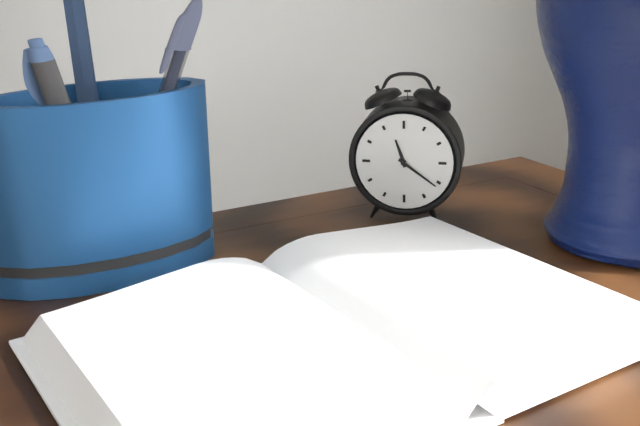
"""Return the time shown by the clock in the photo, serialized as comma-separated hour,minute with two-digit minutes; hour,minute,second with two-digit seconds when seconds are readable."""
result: 11,21
